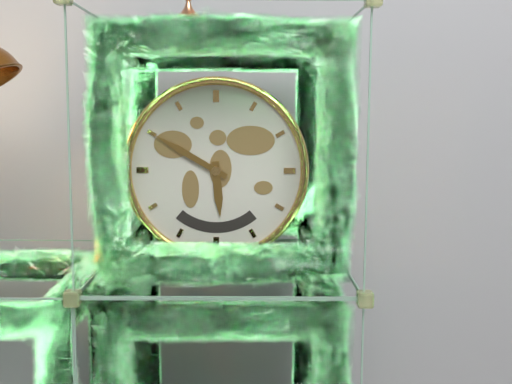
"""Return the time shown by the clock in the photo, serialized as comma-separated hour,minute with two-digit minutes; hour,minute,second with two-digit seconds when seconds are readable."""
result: 5,50
